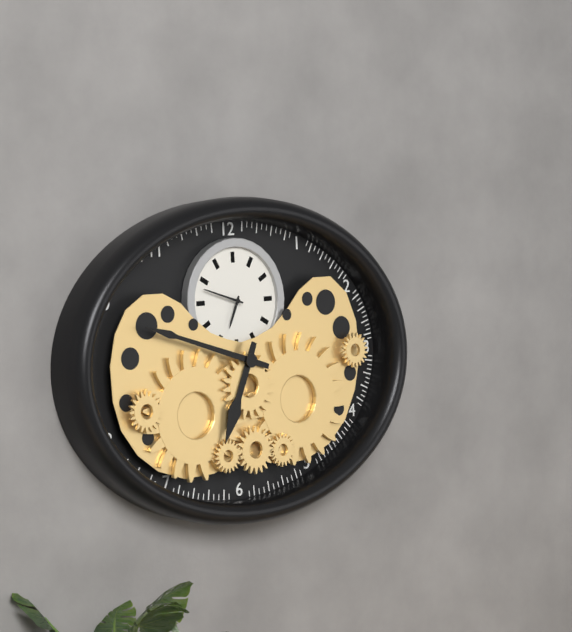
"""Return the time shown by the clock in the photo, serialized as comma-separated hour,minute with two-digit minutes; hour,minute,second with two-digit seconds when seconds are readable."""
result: 6,48
